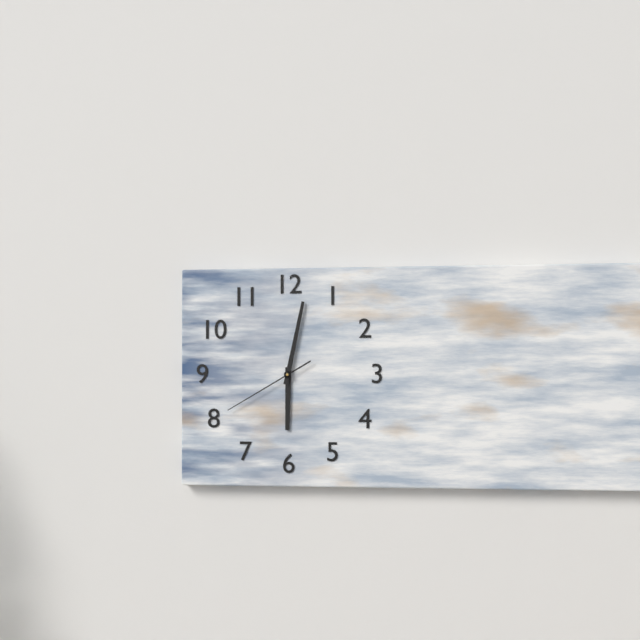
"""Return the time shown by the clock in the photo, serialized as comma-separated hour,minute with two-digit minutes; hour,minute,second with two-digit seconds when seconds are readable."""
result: 6,02,40
